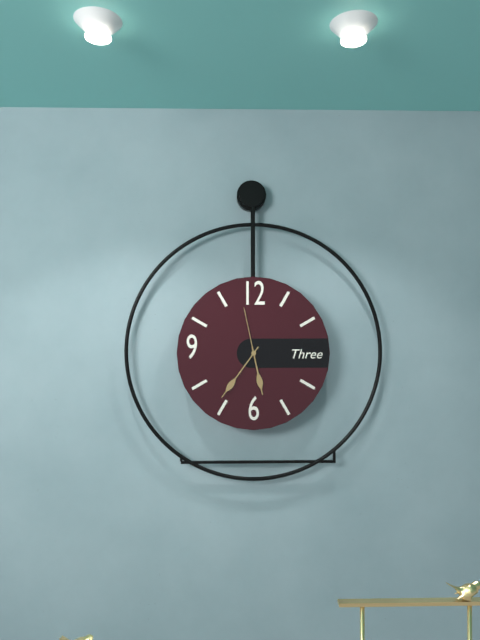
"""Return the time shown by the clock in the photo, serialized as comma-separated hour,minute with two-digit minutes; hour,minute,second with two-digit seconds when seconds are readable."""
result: 5,36,58
